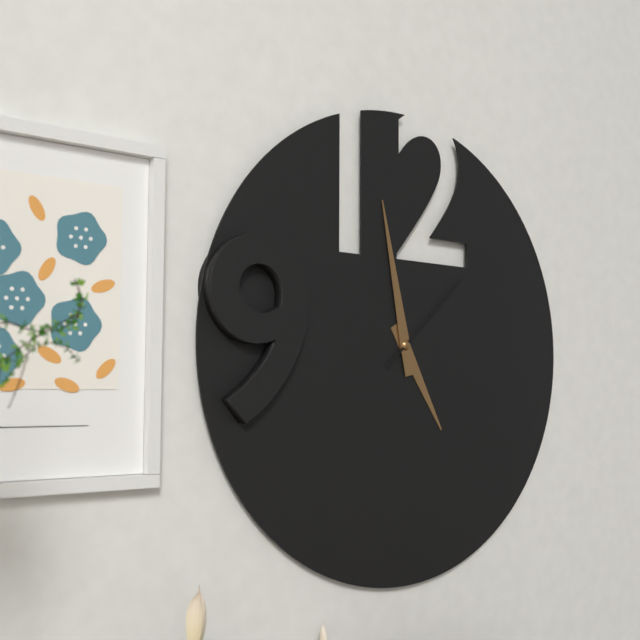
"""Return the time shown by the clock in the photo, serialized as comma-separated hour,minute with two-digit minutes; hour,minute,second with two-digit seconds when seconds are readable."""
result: 4,58,08
